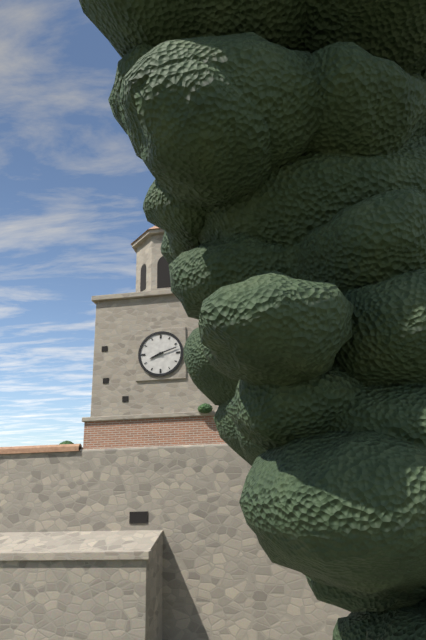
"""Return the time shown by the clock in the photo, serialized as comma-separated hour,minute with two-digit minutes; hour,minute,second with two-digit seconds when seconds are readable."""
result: 8,12
